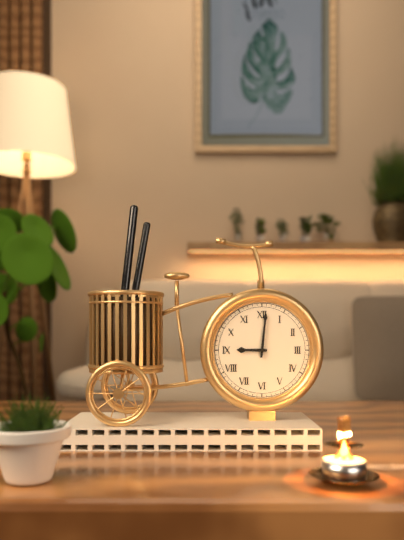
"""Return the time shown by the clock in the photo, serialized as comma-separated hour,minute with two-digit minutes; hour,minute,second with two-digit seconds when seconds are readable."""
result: 9,01
